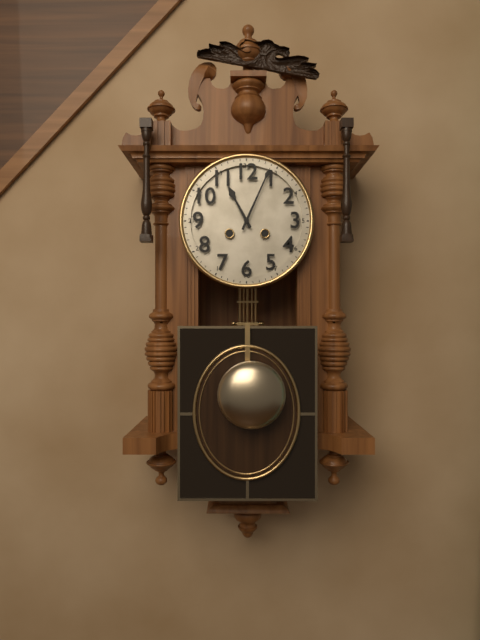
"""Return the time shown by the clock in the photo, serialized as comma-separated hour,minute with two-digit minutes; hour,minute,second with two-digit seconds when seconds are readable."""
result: 11,04
